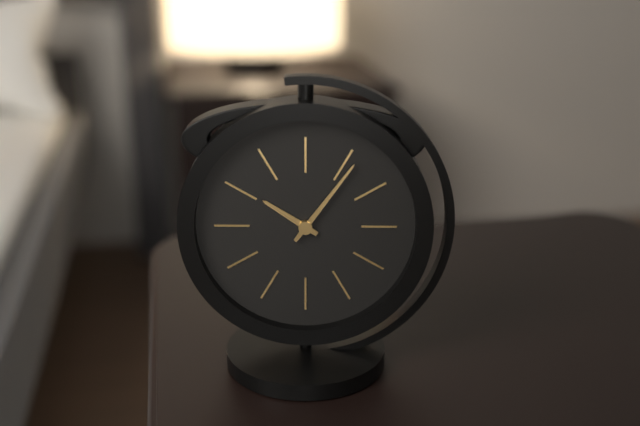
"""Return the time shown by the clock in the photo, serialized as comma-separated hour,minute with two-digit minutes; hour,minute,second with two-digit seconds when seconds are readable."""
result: 10,06
